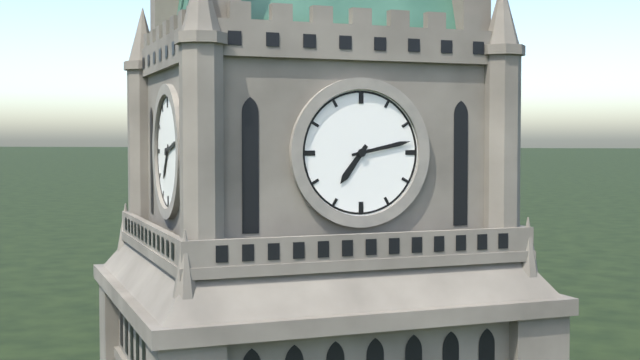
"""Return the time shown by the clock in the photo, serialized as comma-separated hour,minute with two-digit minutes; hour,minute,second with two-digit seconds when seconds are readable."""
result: 7,13
